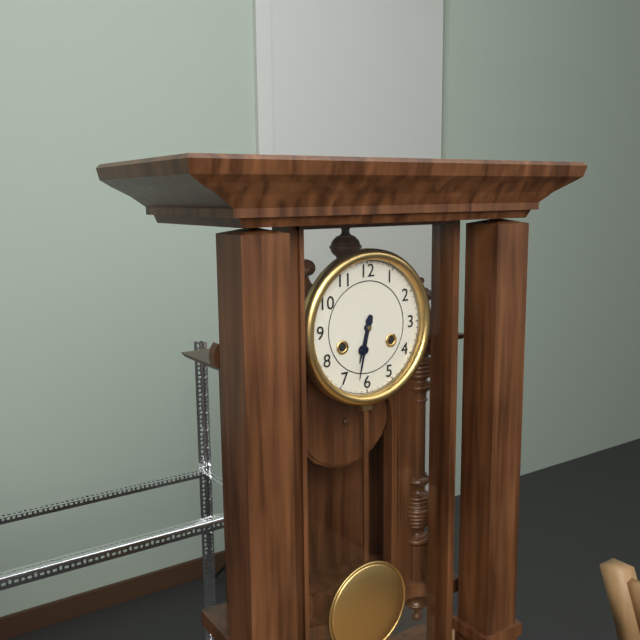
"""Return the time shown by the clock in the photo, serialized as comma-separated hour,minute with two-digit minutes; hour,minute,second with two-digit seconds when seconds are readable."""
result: 6,32
